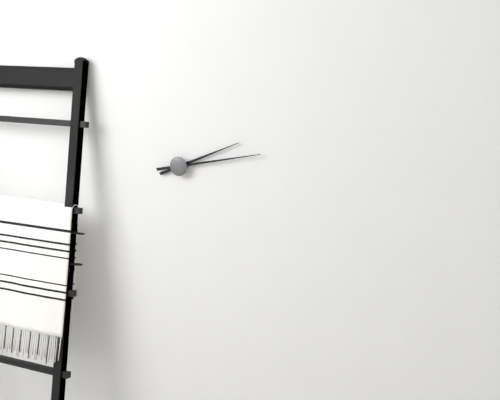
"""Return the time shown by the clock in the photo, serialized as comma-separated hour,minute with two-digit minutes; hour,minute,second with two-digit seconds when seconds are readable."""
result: 2,13
